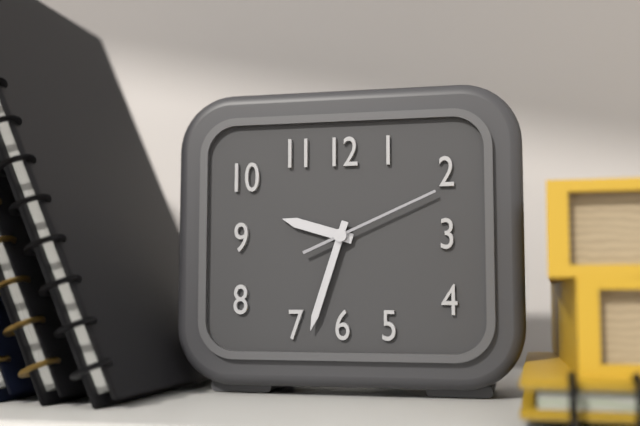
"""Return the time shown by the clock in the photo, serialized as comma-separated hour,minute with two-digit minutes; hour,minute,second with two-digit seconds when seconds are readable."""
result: 9,33,11
